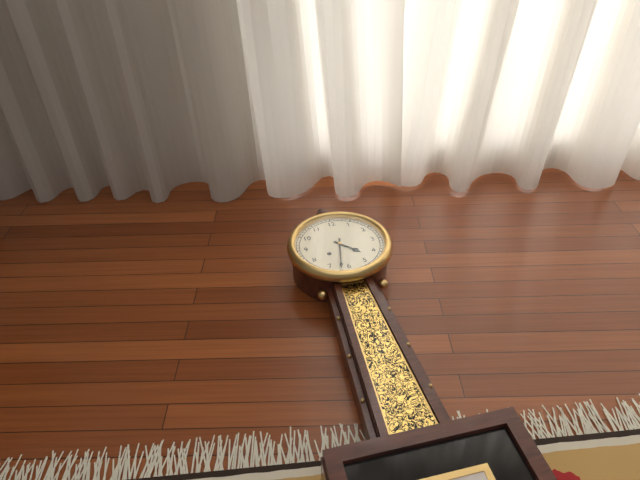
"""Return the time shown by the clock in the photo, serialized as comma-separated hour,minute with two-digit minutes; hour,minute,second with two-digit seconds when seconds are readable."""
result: 4,32
